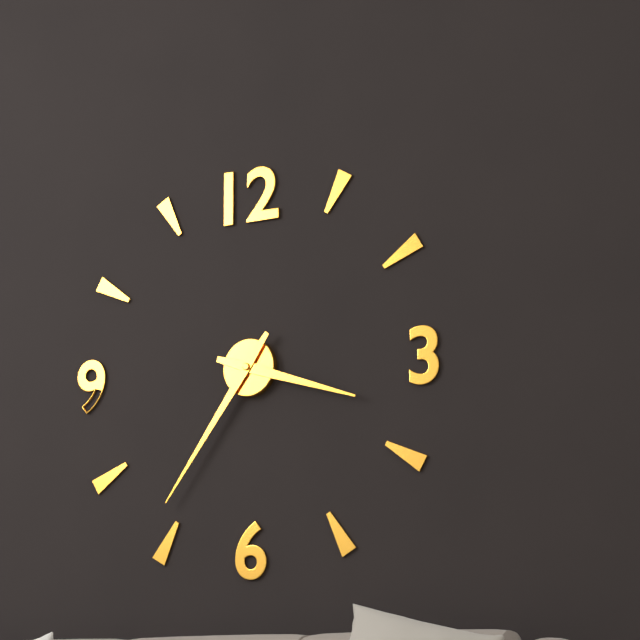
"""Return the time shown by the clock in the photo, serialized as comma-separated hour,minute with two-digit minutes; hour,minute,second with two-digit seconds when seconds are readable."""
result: 3,36
